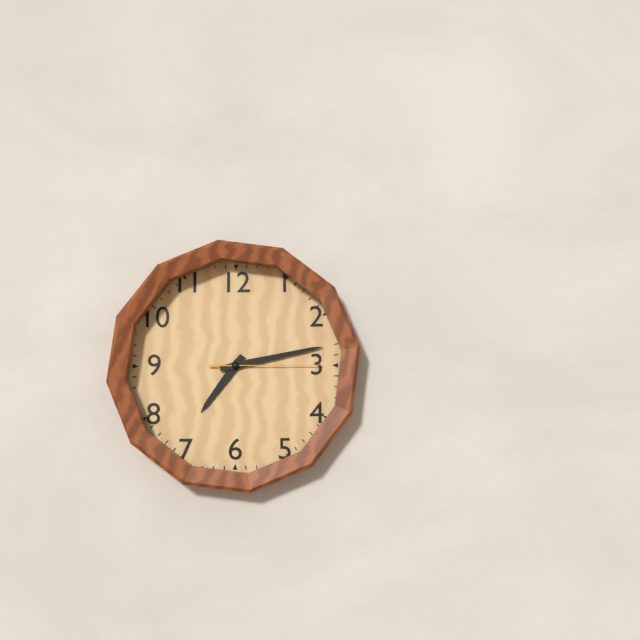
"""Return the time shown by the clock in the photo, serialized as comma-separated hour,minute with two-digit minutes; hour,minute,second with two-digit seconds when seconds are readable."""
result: 7,13,15
